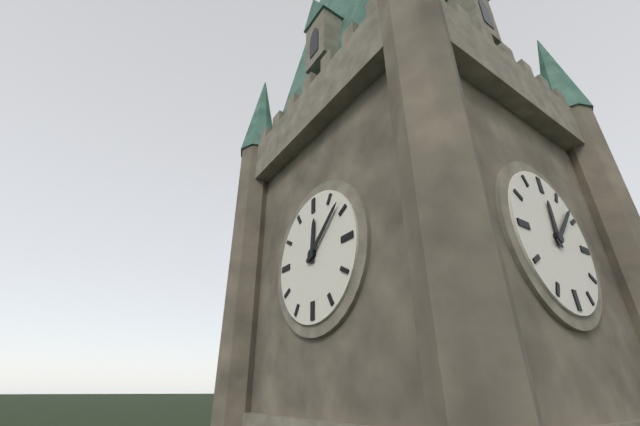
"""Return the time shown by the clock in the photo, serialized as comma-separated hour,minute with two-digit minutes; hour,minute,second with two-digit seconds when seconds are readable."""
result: 12,08
